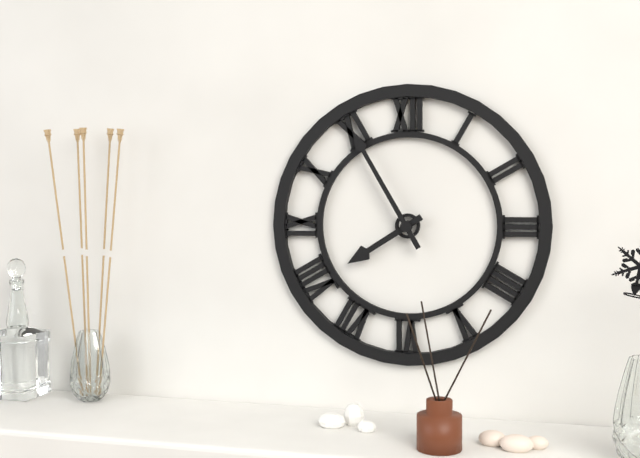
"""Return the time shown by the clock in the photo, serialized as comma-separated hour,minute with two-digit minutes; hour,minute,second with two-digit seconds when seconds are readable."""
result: 7,55
